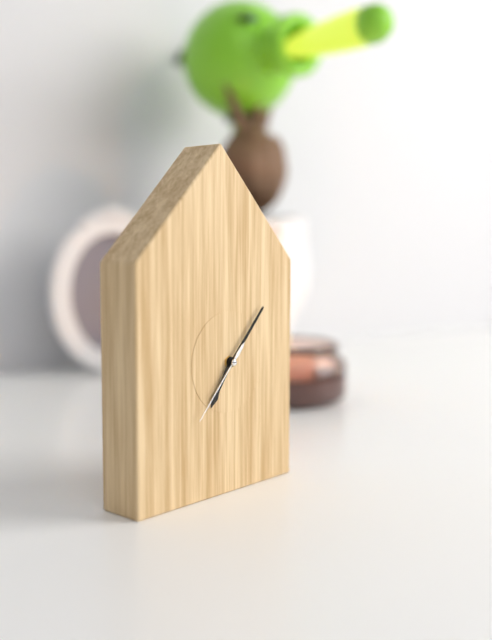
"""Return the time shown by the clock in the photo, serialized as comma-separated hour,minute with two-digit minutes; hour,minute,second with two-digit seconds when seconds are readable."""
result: 7,07,37
